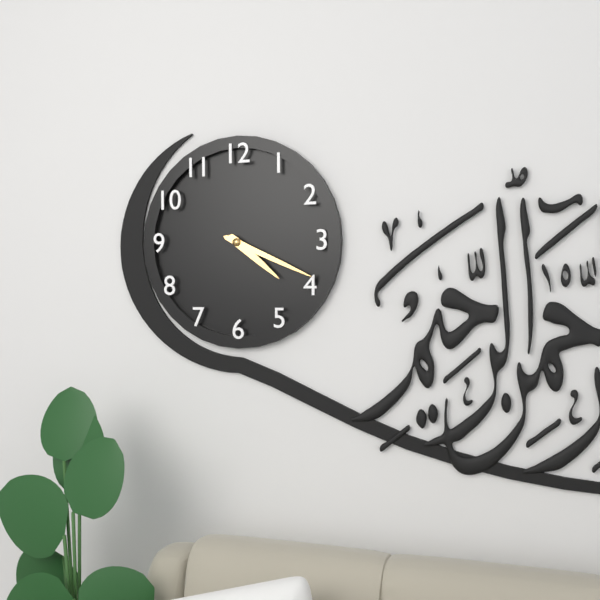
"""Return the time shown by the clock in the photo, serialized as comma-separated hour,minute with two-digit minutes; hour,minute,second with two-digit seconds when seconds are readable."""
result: 4,19
